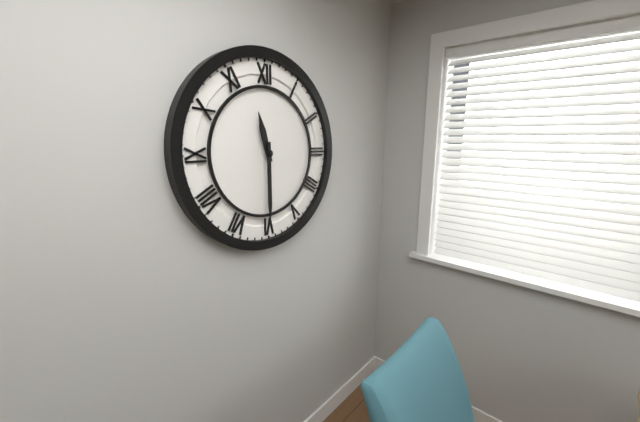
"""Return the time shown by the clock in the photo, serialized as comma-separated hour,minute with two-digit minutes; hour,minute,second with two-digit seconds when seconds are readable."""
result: 11,30
